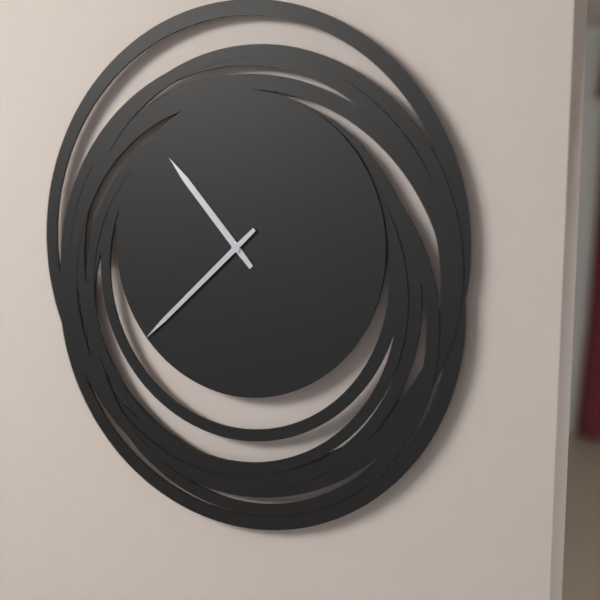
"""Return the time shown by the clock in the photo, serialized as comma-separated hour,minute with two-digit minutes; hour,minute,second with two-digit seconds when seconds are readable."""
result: 10,38
